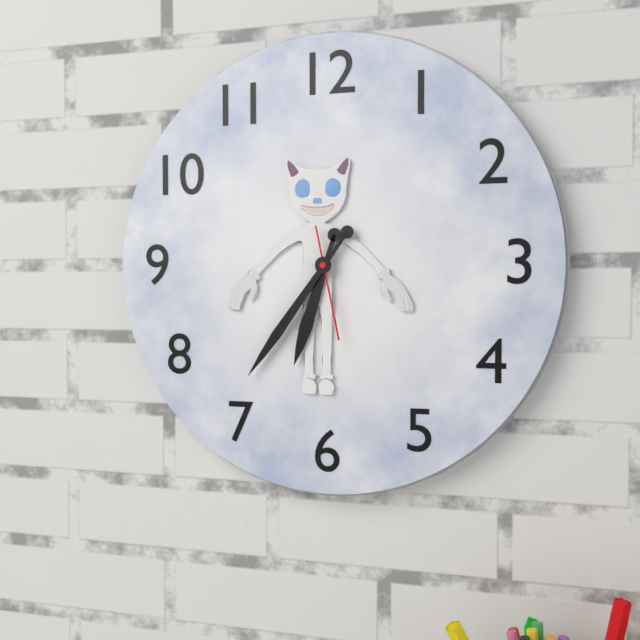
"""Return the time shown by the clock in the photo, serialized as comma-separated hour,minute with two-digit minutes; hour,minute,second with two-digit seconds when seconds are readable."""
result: 6,36,28
